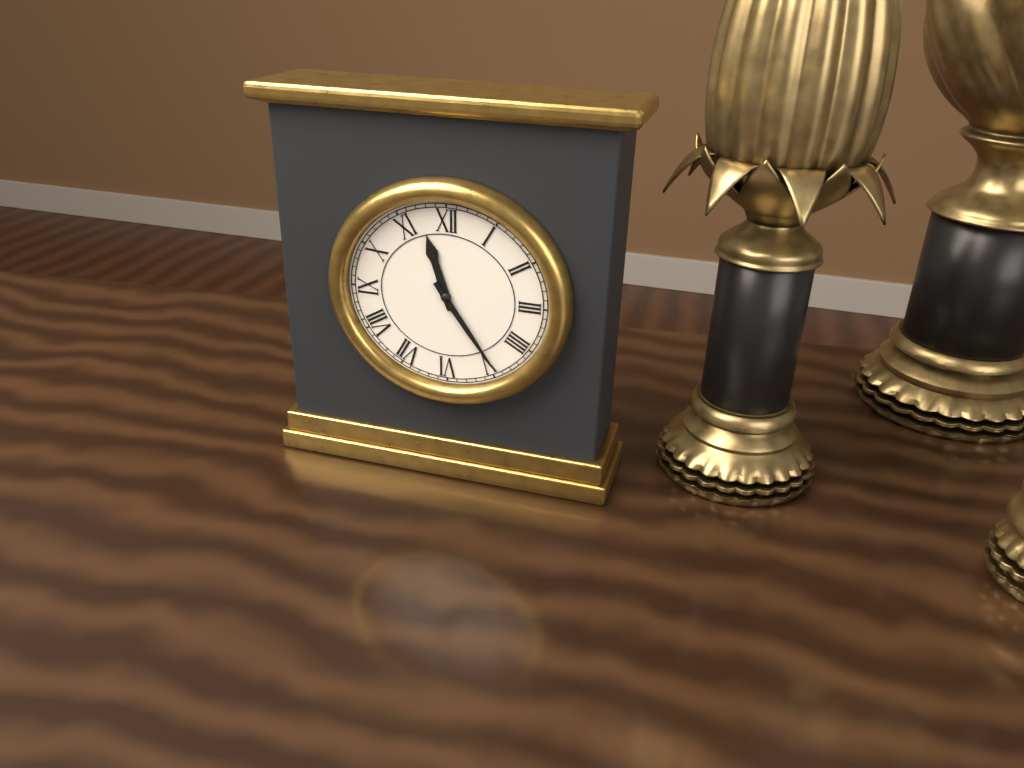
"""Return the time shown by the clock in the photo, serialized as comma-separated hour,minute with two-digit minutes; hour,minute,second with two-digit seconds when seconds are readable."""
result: 11,24
